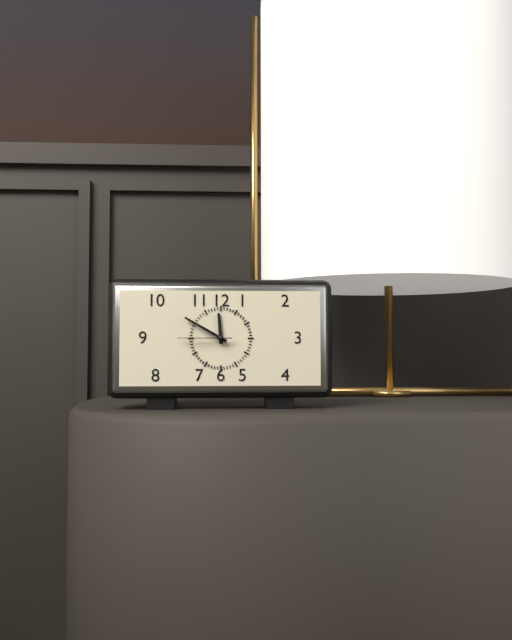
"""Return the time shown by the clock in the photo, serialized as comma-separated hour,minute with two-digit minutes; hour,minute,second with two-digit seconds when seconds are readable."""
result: 11,50,45
